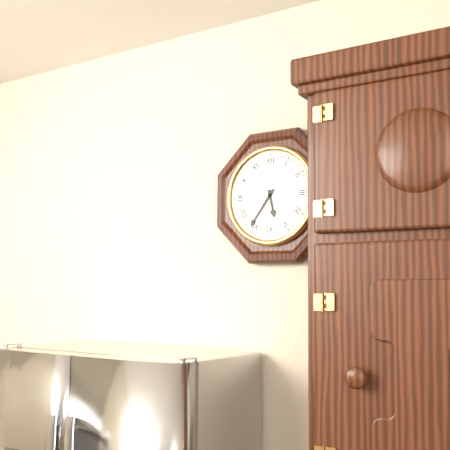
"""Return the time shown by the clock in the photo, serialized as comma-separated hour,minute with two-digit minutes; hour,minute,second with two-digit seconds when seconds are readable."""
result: 5,36
